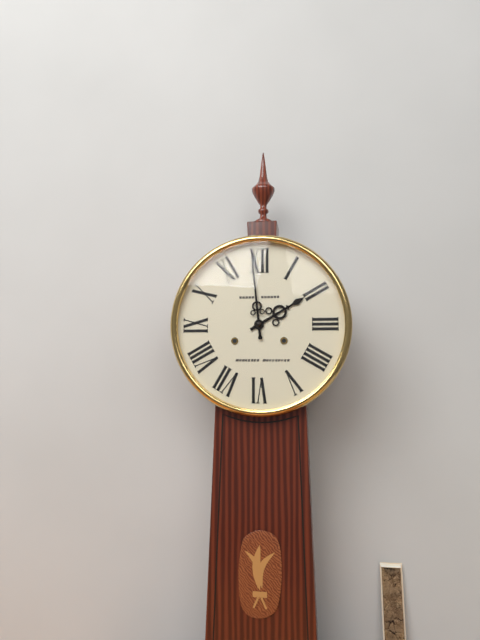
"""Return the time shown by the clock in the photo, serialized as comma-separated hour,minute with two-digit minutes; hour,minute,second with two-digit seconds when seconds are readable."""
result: 1,59
